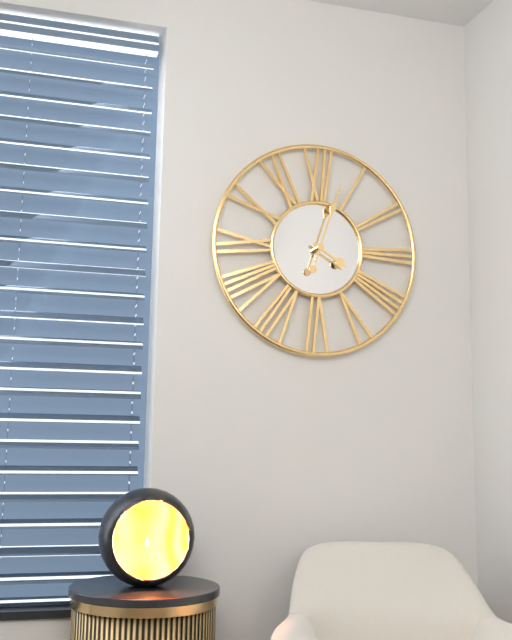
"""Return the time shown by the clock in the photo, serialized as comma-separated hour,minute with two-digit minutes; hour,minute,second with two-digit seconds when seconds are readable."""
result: 4,03
